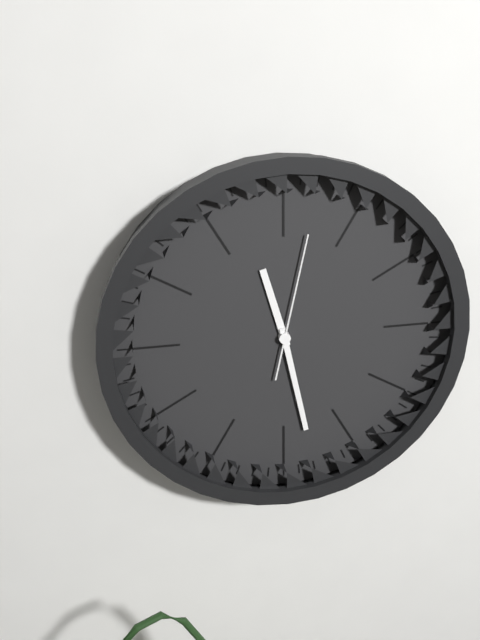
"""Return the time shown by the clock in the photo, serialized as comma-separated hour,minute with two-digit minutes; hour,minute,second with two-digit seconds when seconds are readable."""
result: 11,28,02
